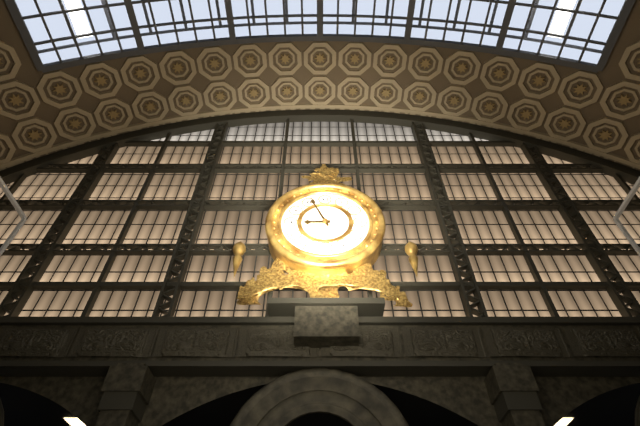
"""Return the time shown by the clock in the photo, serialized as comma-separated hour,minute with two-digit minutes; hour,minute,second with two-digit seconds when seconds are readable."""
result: 8,56
